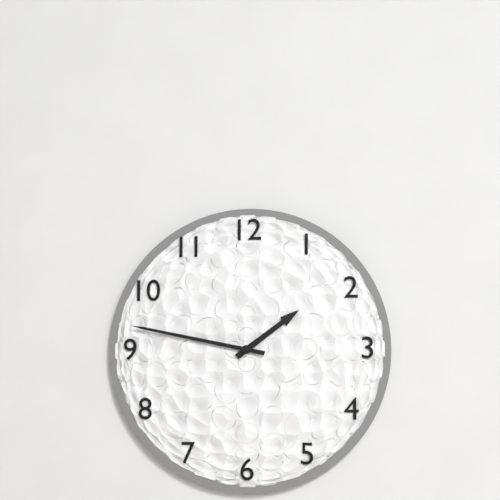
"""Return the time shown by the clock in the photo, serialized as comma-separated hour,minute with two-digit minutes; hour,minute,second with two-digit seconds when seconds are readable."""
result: 1,47
